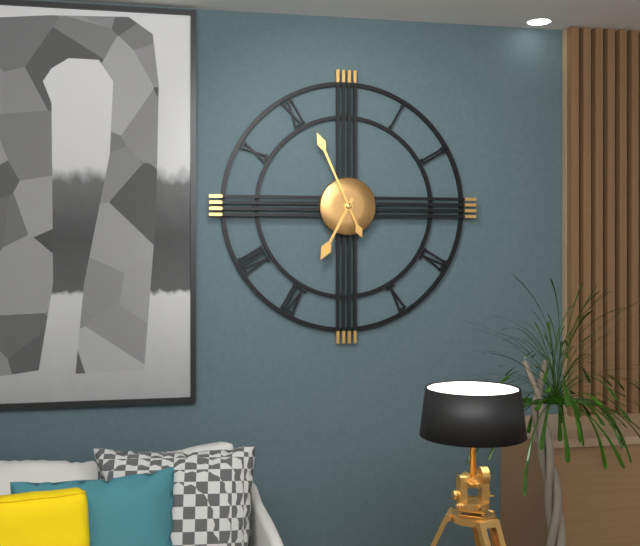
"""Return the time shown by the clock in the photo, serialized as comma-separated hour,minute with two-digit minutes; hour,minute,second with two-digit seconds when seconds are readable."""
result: 6,56
